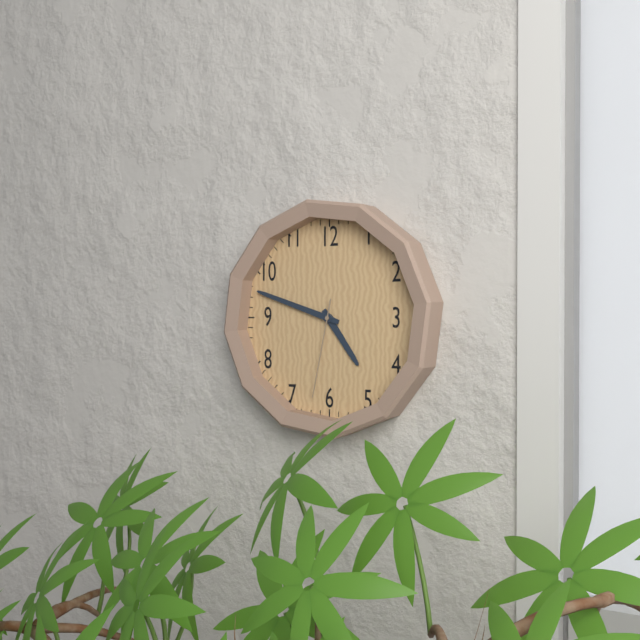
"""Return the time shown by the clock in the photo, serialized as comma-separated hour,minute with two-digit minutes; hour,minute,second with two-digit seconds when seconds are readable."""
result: 4,48,32
